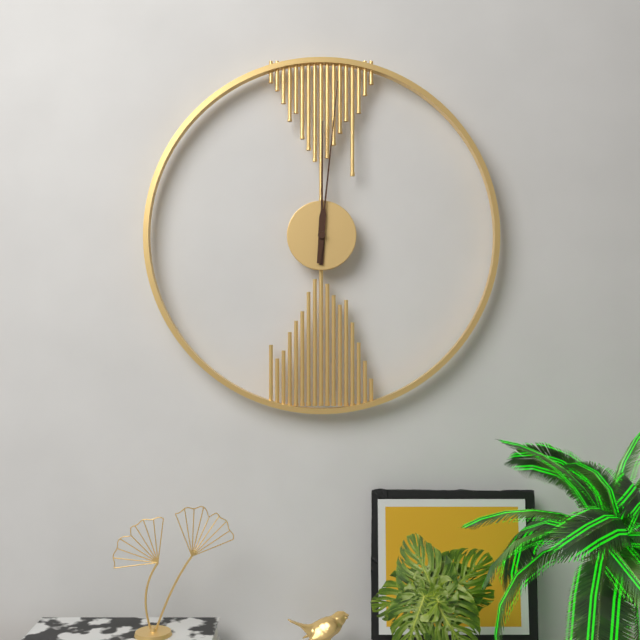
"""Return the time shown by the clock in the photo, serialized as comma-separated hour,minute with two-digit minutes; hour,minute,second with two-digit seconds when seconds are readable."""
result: 12,01
